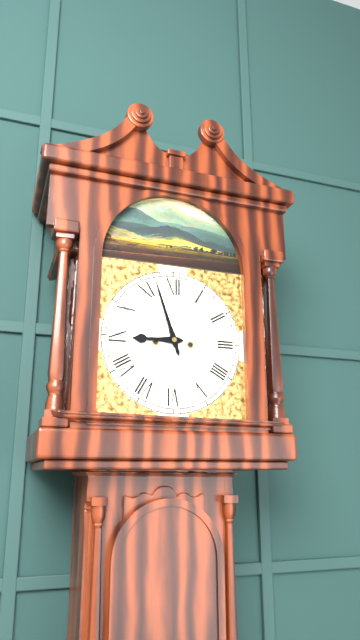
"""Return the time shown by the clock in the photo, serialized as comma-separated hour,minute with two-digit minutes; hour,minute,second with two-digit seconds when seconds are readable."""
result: 8,57
